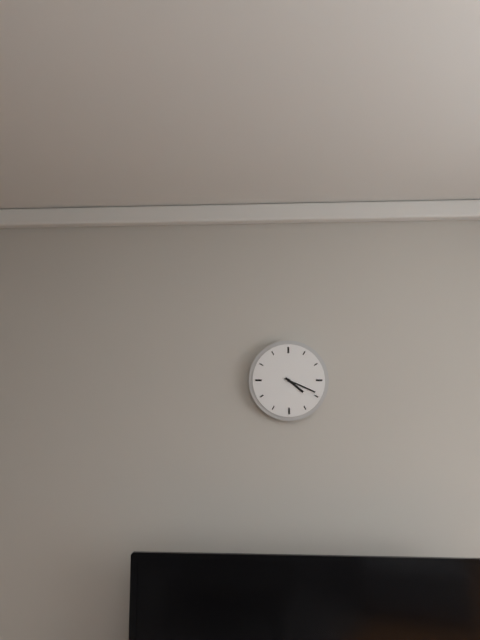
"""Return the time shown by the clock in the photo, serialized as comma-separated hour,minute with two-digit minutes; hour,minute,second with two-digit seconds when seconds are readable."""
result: 4,19
